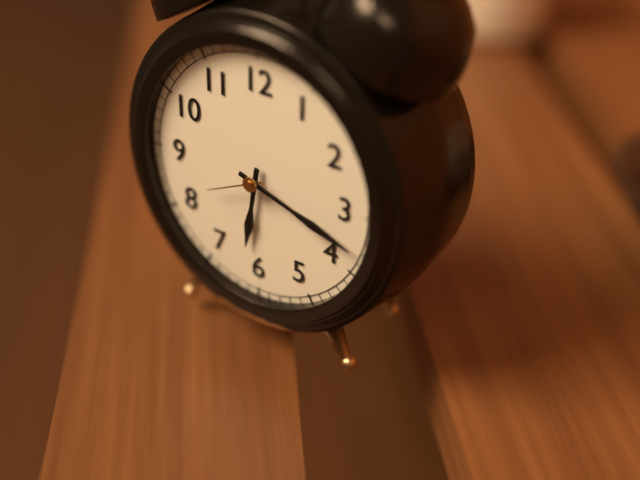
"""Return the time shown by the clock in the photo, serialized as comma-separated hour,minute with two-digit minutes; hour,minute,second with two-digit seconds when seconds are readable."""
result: 6,18,41
